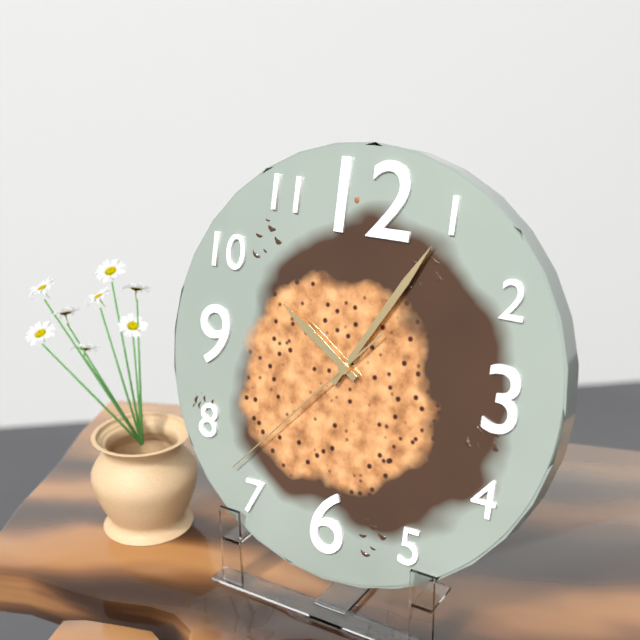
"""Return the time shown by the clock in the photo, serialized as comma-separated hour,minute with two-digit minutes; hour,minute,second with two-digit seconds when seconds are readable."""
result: 10,05,37
